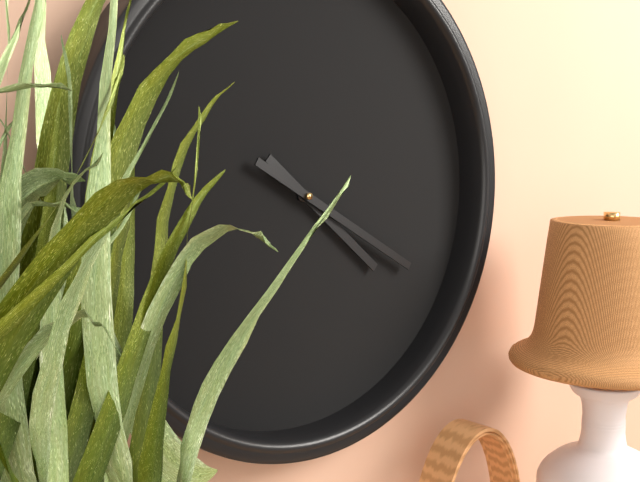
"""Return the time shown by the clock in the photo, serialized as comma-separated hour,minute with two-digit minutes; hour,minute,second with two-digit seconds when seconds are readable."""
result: 4,20
